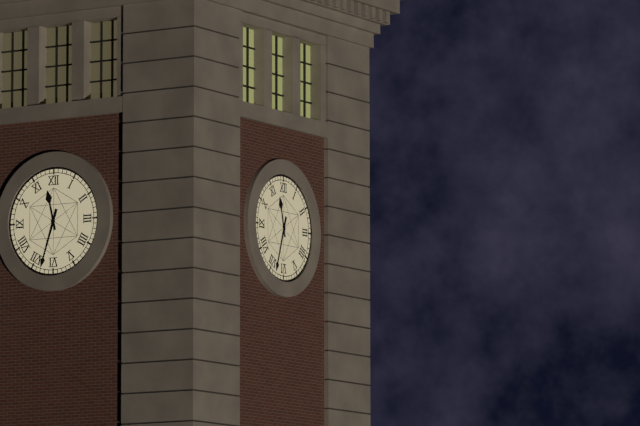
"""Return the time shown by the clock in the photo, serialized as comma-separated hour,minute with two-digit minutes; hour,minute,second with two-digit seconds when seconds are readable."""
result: 11,33
